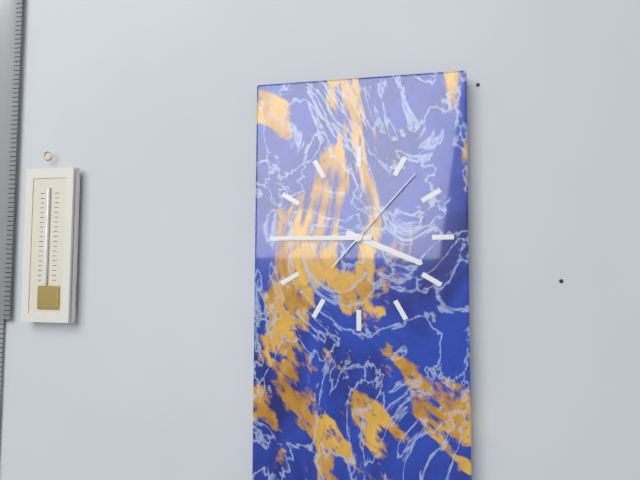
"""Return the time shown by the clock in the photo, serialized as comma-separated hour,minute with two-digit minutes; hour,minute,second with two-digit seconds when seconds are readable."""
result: 3,45,07
